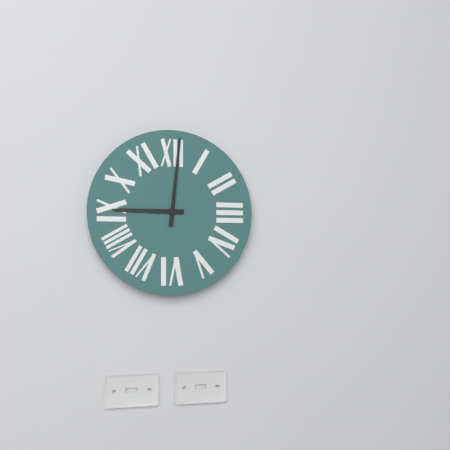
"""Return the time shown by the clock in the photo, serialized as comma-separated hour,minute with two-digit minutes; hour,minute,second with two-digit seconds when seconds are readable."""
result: 9,01
